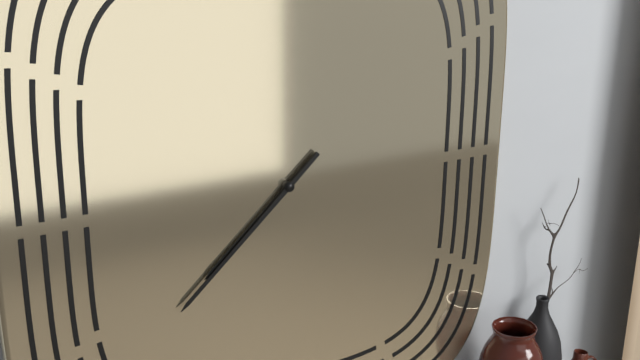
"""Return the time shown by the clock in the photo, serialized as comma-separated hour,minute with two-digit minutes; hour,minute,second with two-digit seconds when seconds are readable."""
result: 7,38
